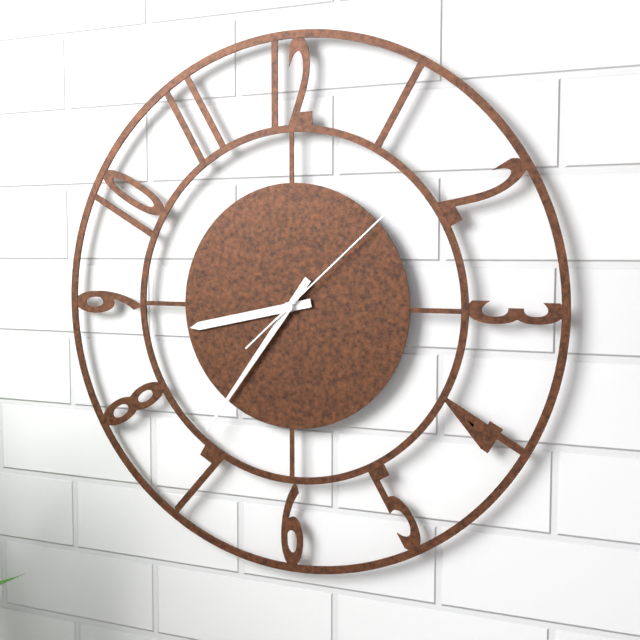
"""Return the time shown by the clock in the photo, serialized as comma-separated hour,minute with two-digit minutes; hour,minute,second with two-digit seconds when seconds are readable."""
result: 8,36,08
